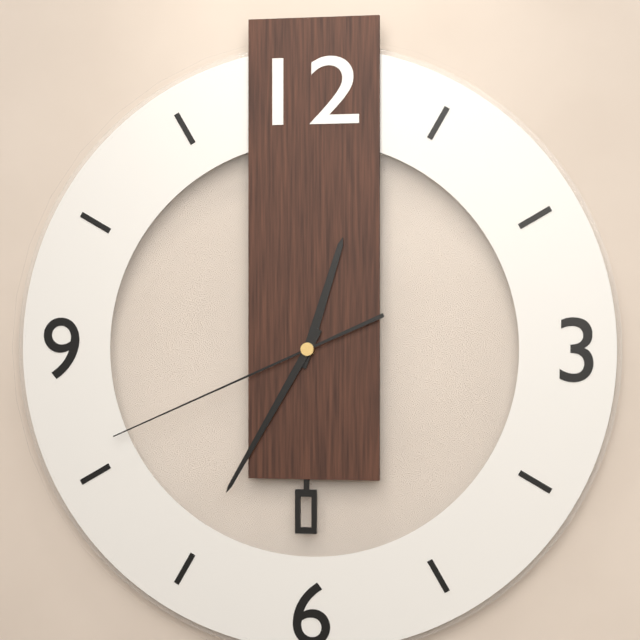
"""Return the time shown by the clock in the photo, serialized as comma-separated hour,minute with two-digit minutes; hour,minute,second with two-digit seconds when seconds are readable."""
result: 12,35,41
